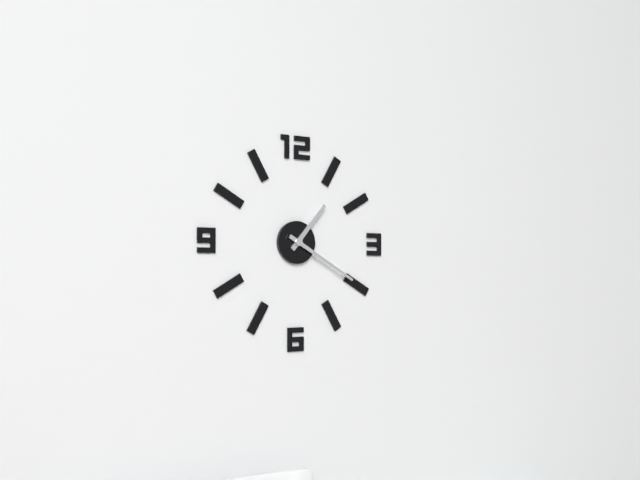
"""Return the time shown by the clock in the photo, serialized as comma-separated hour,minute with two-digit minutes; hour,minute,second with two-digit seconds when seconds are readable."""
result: 1,20
